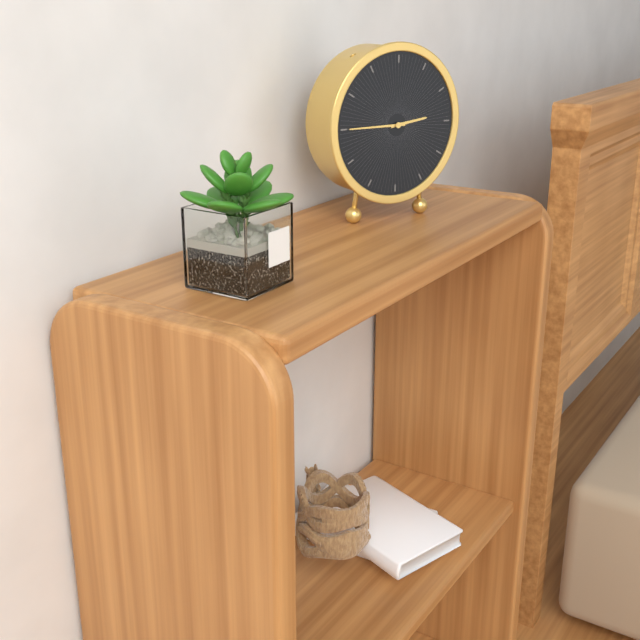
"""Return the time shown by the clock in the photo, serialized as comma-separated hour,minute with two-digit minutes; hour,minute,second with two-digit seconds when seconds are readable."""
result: 2,45
